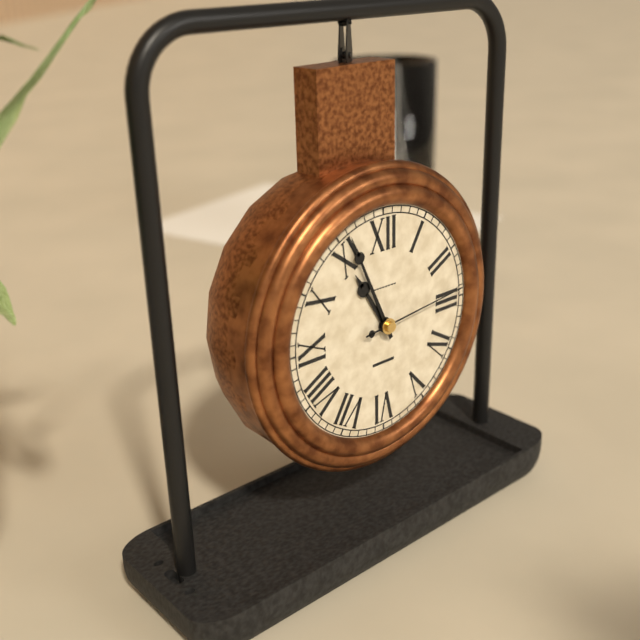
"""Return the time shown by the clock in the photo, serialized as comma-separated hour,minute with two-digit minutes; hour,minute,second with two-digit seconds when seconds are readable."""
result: 10,56,14
